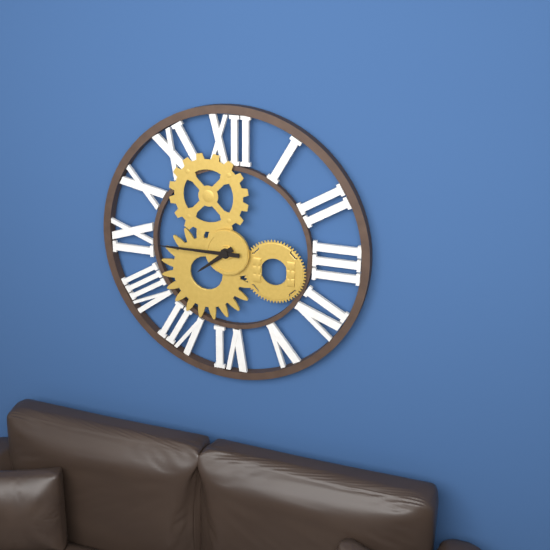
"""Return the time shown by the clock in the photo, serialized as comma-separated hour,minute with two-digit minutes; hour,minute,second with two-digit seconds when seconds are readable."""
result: 7,45
